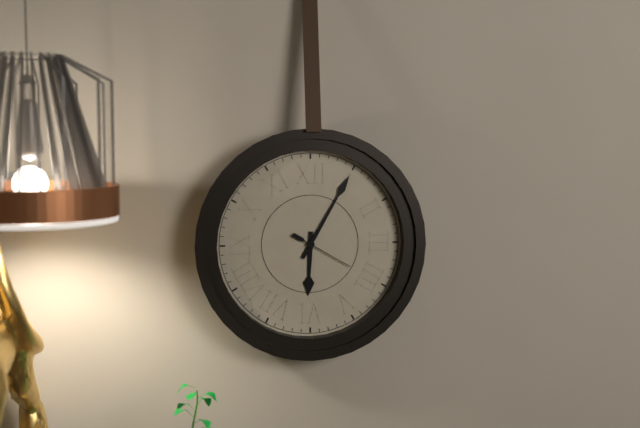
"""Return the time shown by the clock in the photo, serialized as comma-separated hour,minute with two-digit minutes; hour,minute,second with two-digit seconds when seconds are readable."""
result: 6,05,20
